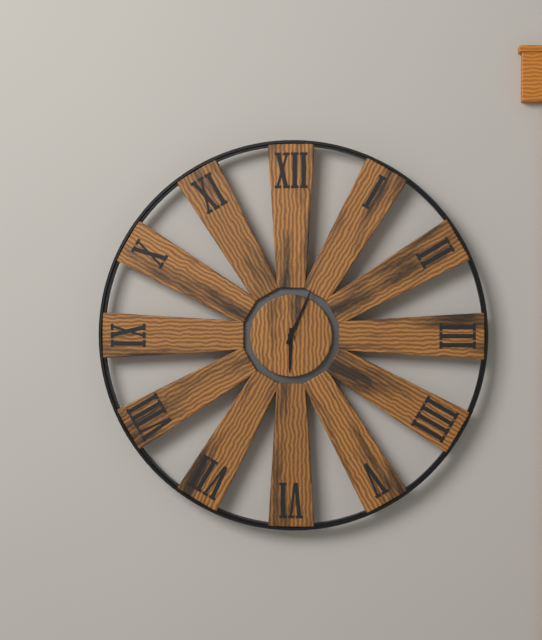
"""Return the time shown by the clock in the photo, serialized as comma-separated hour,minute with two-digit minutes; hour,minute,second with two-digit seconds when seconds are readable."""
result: 6,04
